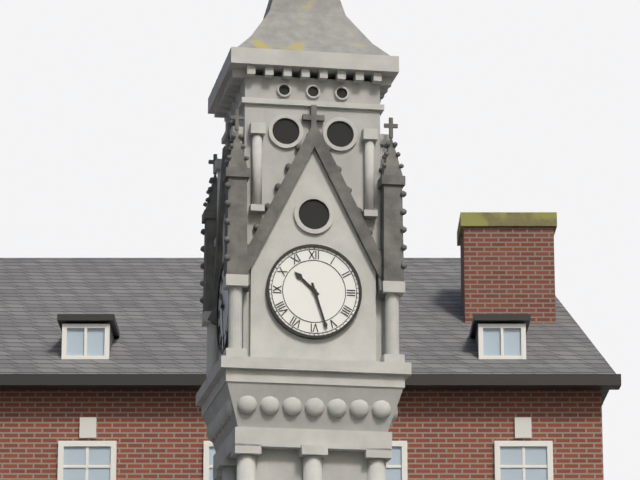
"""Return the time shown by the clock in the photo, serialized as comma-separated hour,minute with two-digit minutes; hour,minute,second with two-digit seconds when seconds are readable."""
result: 10,27
